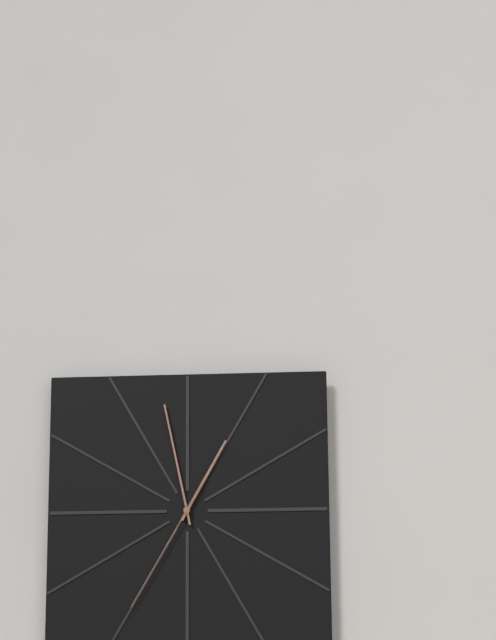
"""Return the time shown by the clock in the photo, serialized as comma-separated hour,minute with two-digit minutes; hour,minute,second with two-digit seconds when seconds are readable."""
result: 12,58,35
